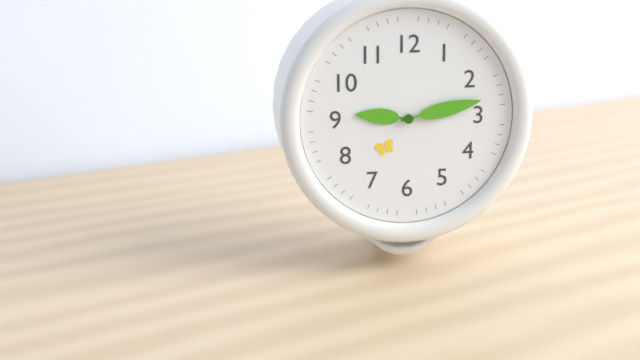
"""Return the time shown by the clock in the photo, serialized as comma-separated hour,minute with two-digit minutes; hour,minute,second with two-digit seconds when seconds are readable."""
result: 9,13
